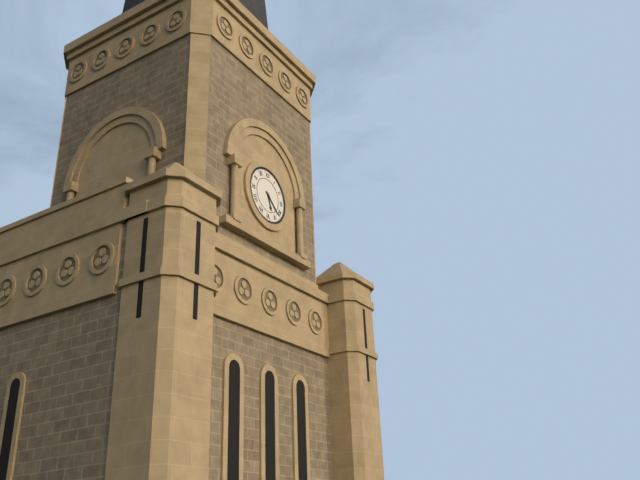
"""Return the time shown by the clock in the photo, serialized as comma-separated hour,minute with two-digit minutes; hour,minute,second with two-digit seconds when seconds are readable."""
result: 5,22
